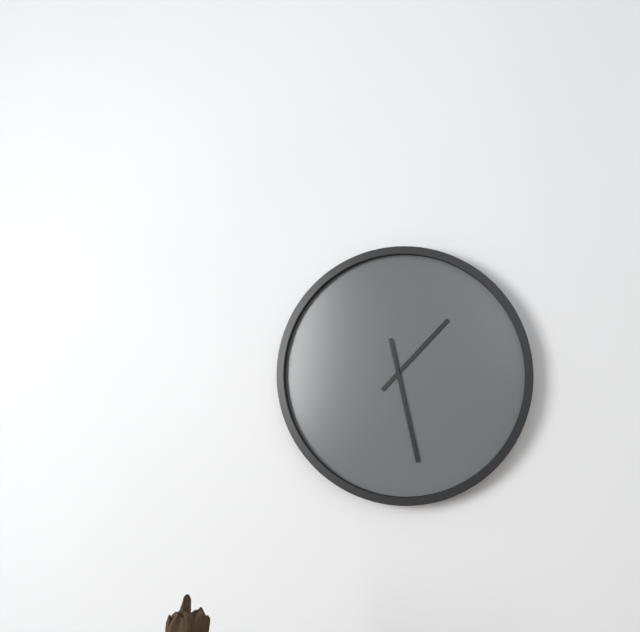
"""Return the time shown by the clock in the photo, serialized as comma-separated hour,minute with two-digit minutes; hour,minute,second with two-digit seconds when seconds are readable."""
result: 1,28
